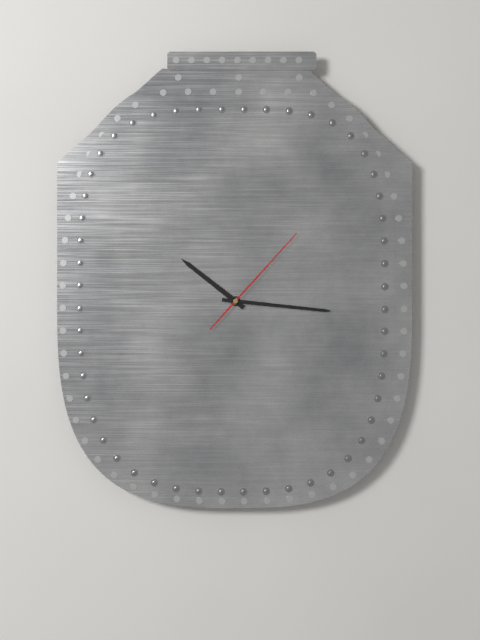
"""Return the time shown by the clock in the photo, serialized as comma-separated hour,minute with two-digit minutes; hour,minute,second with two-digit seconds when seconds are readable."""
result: 10,16,07
